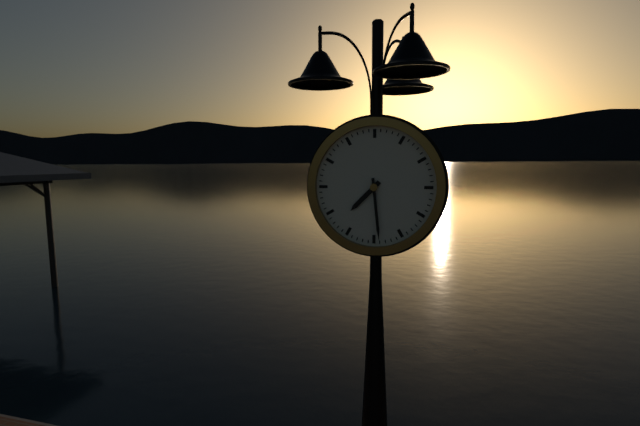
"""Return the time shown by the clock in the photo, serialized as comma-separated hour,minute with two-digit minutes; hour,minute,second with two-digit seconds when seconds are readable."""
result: 7,29
